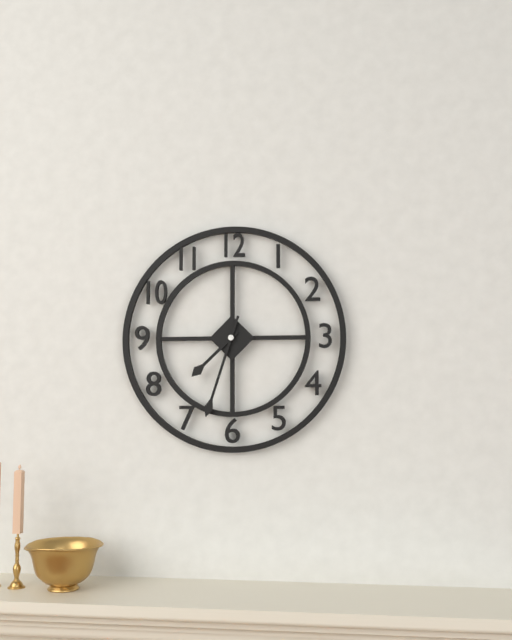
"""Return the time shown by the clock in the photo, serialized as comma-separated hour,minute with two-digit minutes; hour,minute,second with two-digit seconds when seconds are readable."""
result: 7,33
